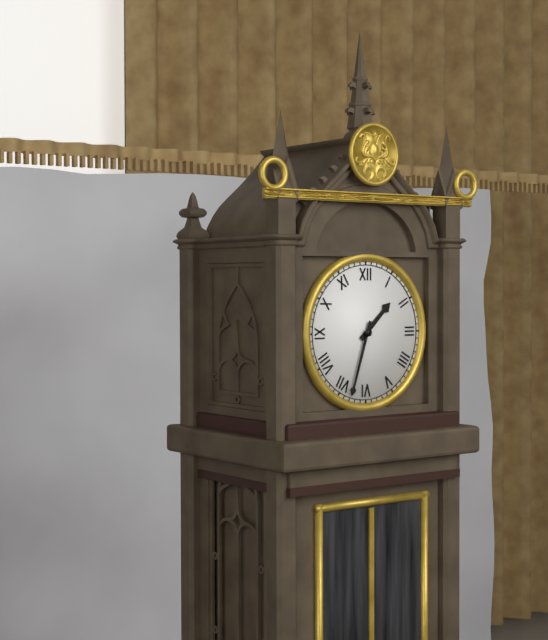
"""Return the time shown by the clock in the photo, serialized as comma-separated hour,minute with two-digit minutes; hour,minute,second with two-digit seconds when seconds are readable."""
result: 1,33
